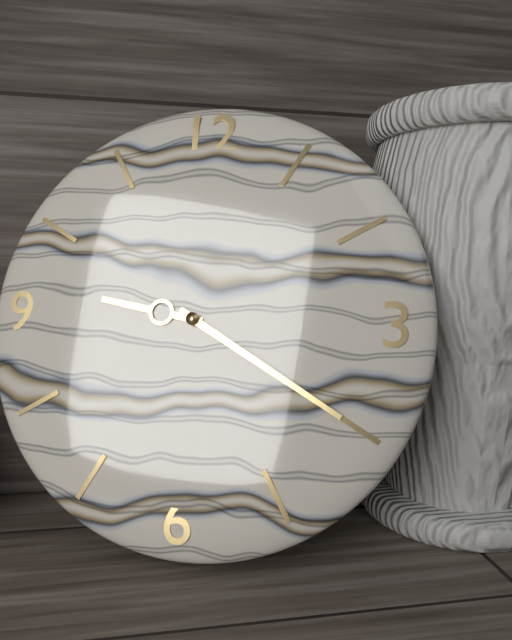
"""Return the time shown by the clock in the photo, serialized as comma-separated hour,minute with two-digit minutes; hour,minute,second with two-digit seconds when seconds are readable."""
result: 9,20
